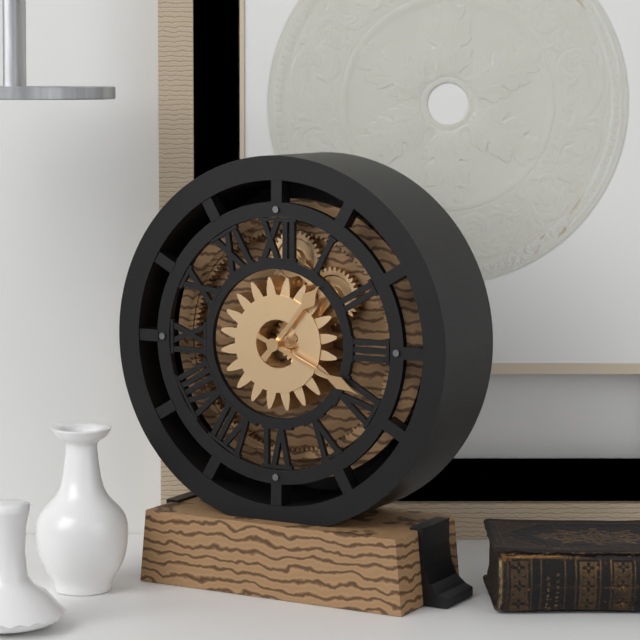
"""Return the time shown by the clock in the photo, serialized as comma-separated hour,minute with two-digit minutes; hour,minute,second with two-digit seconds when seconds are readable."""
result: 1,19
